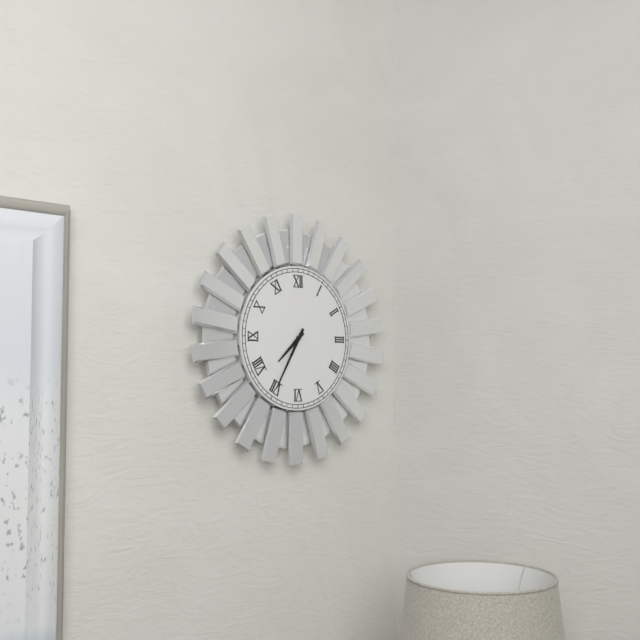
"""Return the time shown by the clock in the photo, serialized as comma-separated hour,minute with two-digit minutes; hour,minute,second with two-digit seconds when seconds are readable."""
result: 7,35
